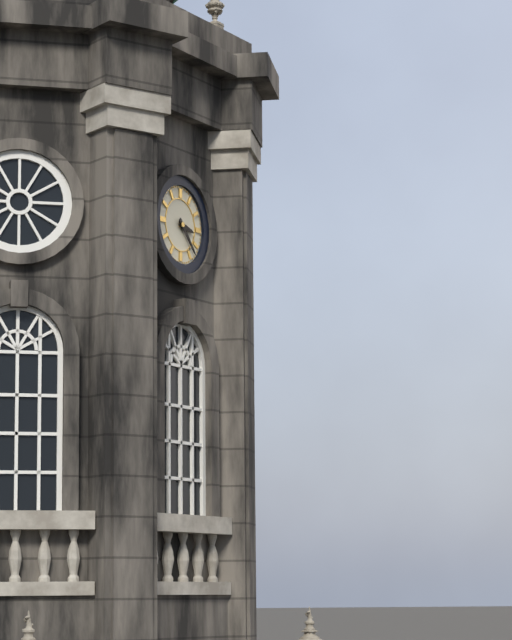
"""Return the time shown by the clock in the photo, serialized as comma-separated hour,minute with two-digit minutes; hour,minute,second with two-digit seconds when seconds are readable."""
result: 3,23
